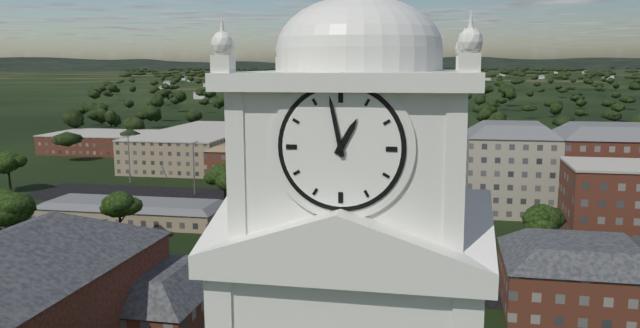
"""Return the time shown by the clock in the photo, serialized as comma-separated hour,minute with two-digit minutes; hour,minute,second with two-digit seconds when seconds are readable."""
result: 12,58
